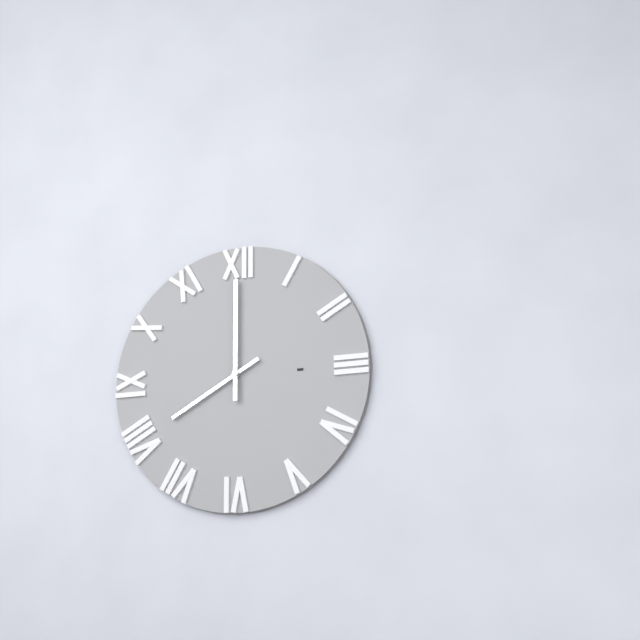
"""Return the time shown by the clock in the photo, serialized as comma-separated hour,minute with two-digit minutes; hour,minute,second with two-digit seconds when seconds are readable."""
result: 8,00
